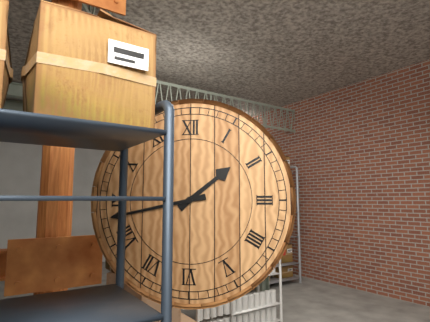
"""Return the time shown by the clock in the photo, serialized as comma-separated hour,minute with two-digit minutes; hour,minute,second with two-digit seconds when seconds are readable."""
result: 1,43
